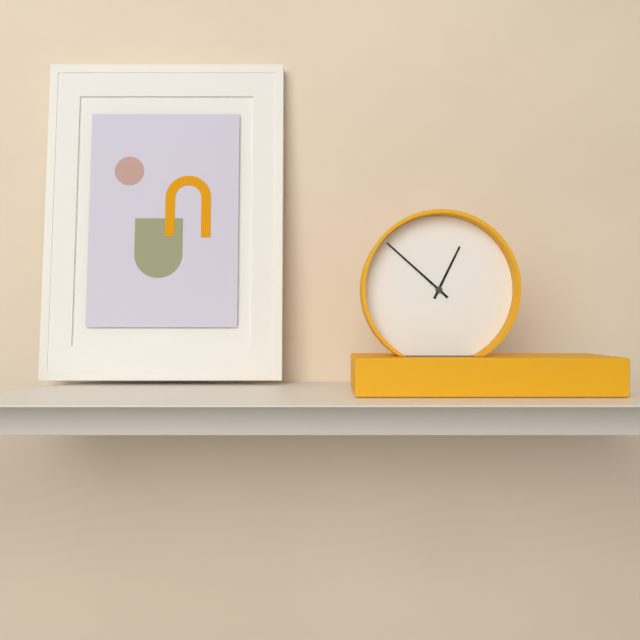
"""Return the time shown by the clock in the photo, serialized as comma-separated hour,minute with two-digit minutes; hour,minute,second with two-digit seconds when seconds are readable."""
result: 12,52
